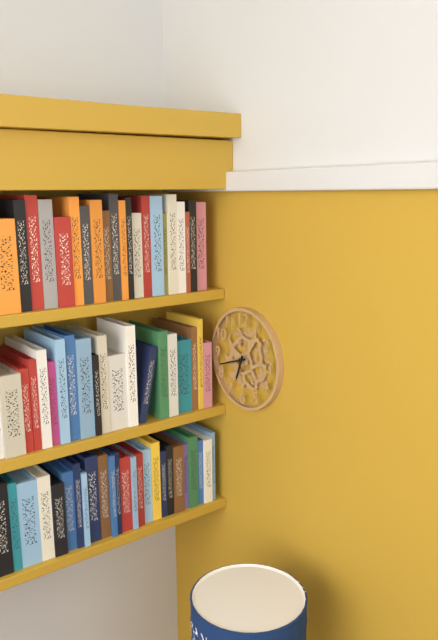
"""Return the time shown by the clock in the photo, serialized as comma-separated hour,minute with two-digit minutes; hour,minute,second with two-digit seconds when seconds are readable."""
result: 6,42
